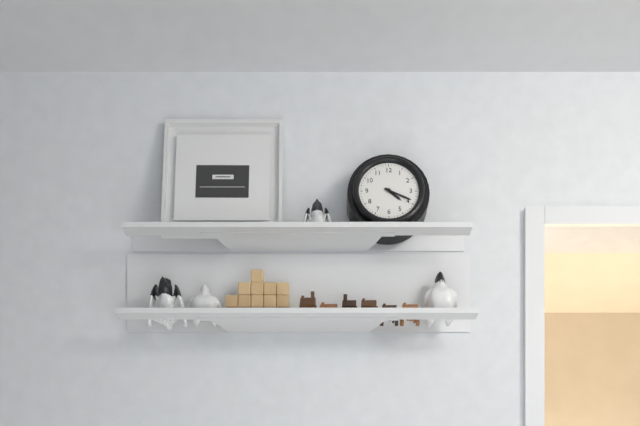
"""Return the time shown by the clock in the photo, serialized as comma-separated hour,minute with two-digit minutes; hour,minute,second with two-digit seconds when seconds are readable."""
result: 4,19
